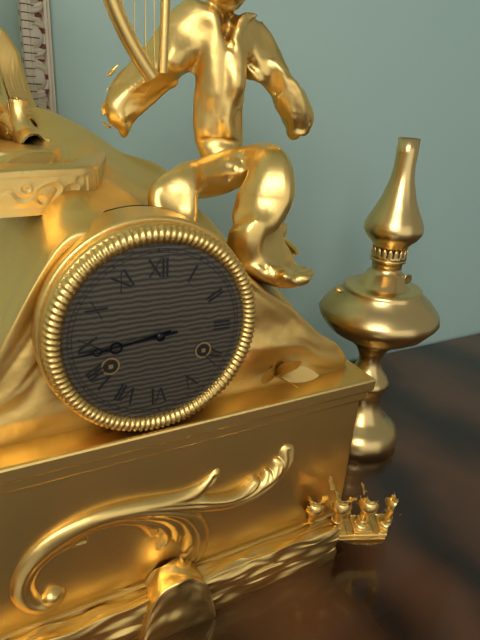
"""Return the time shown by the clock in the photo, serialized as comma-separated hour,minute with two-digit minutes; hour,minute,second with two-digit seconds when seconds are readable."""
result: 8,44
